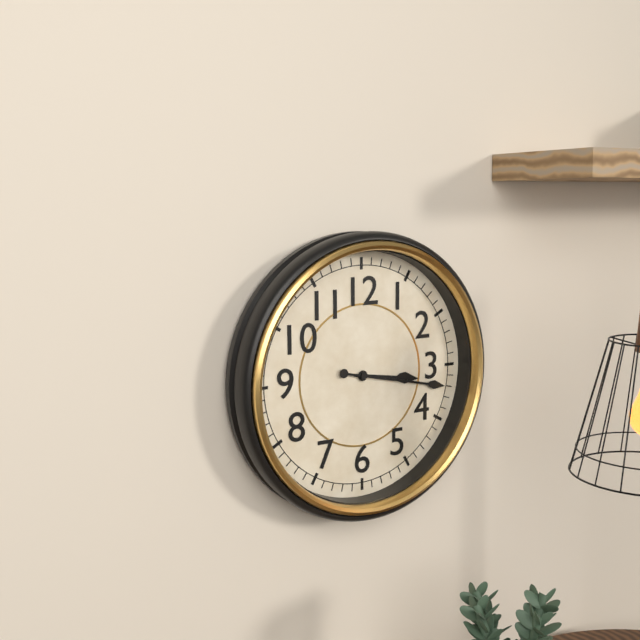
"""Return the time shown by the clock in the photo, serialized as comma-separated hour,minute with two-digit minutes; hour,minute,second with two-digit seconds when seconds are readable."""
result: 3,17
